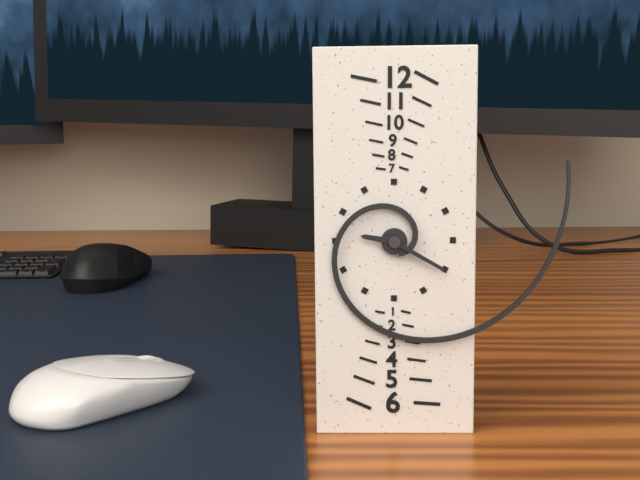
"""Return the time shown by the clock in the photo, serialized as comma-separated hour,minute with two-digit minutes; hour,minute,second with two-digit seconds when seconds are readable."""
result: 9,20
